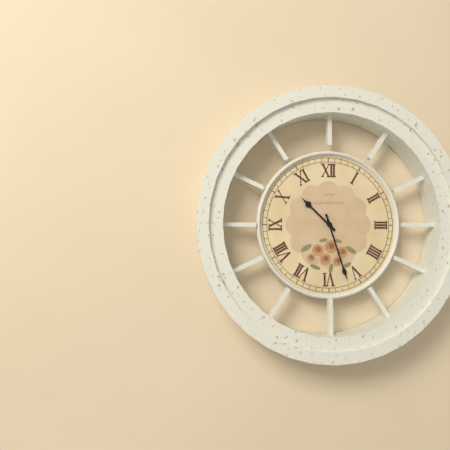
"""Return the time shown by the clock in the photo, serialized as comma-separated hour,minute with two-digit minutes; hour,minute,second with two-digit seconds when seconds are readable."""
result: 10,27
